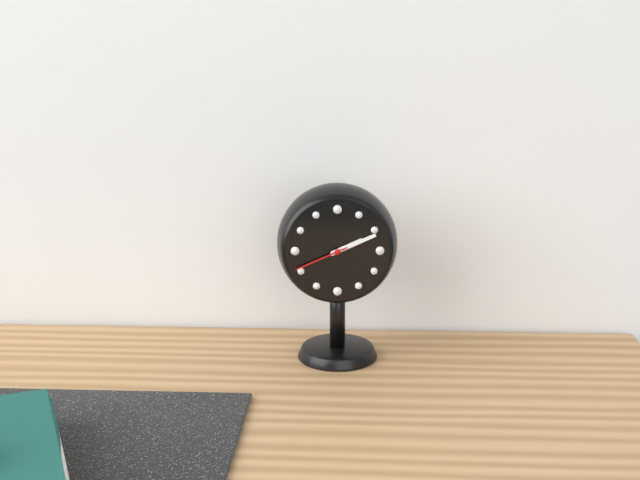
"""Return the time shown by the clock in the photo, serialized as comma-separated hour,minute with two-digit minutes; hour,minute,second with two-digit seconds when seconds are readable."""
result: 2,11,41
